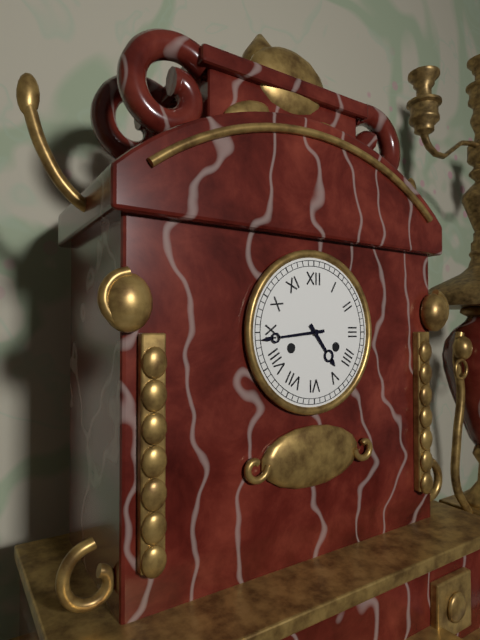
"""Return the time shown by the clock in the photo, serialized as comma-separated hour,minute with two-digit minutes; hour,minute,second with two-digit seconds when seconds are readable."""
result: 4,44
